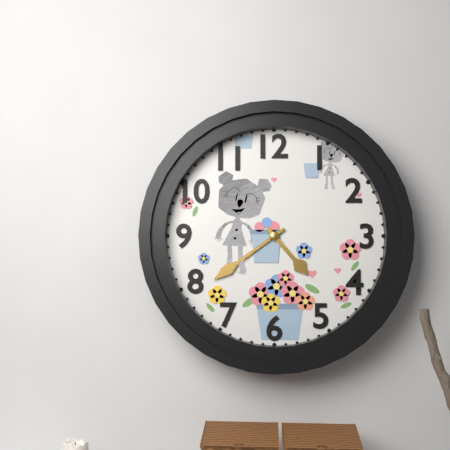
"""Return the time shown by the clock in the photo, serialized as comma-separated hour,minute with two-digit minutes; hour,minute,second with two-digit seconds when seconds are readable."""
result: 4,39
